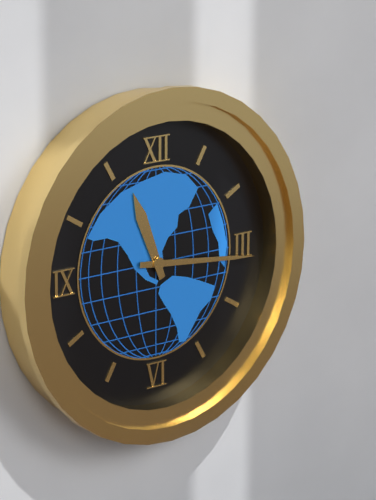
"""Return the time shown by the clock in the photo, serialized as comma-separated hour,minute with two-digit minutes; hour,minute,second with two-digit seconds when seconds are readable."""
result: 11,16
